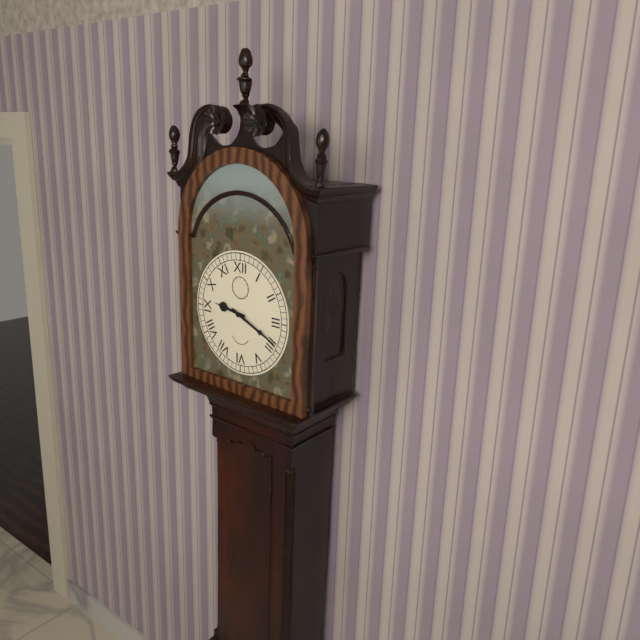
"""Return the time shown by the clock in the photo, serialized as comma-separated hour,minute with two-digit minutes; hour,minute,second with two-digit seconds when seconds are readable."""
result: 9,19
